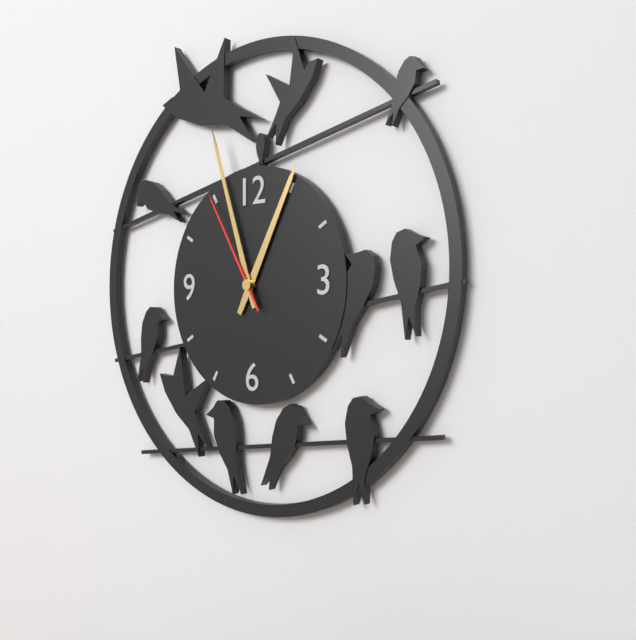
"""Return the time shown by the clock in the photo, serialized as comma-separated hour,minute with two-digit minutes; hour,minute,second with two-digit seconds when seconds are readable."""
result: 12,57,55
